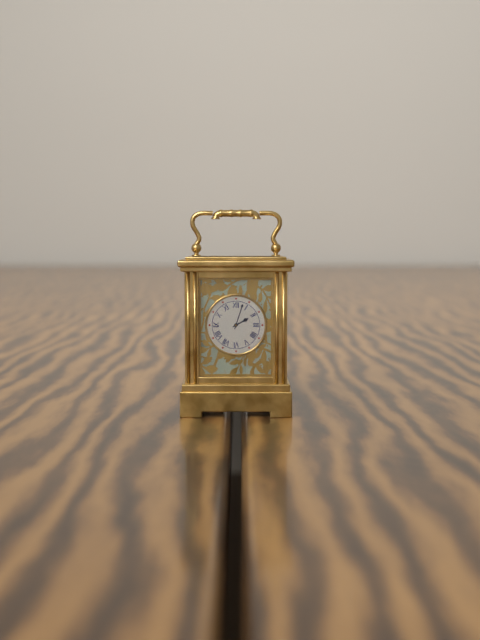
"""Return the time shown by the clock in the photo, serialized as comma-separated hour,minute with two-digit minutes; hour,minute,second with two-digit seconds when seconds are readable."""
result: 2,03
